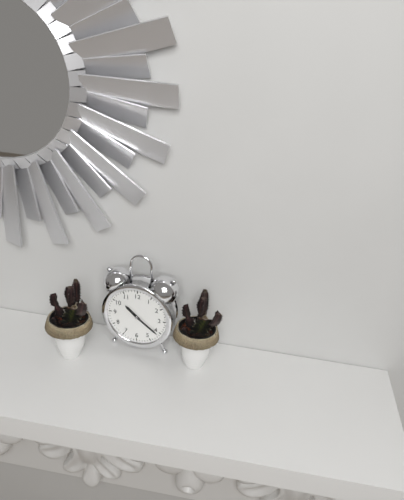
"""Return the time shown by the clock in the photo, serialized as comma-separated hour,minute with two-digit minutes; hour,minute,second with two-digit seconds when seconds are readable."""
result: 10,21
